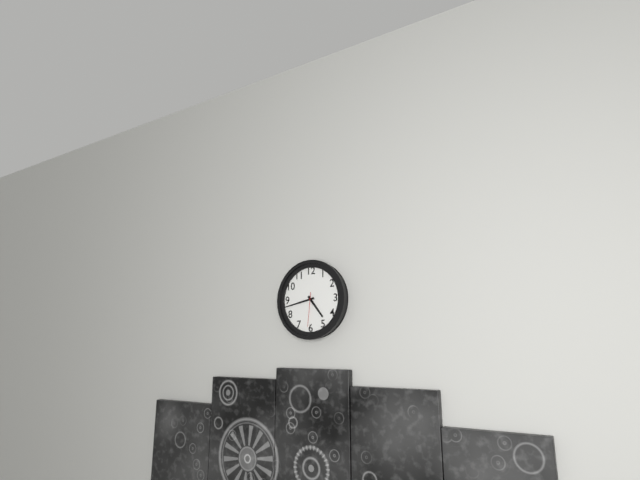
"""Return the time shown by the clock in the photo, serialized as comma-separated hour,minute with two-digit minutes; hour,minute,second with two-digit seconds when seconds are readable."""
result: 4,43
